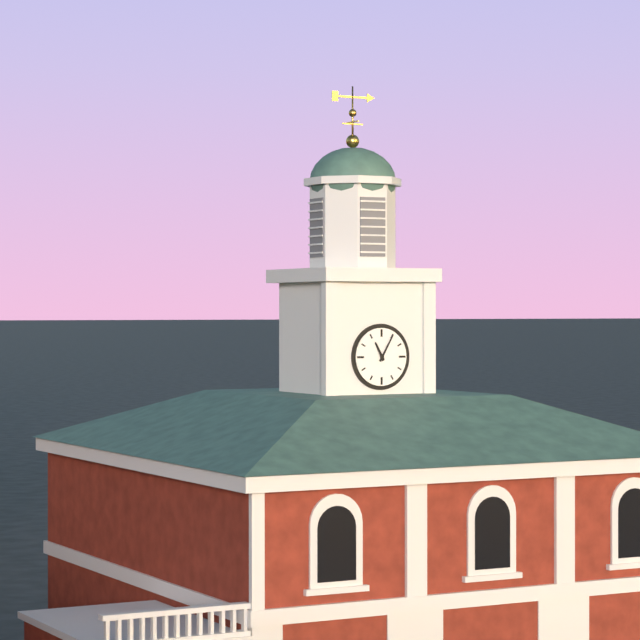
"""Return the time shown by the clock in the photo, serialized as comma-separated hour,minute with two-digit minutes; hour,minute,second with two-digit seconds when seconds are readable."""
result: 11,05
